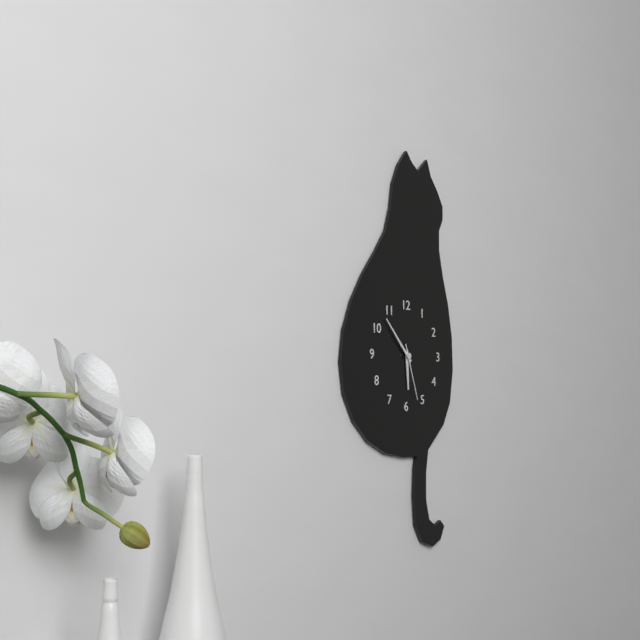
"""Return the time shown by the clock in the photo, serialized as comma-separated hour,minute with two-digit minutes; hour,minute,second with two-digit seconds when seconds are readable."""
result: 5,53,27
